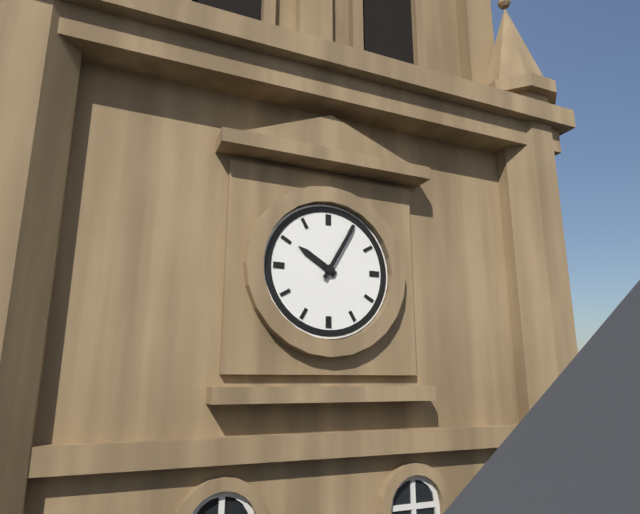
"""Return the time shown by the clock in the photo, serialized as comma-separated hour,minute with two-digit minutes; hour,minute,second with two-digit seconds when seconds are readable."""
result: 10,05
